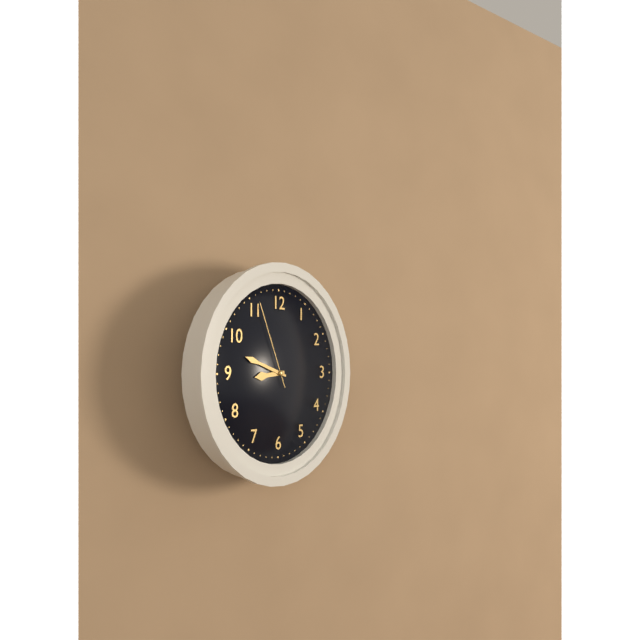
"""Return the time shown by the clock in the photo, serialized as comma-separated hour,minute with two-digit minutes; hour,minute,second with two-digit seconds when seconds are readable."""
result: 8,48,56
